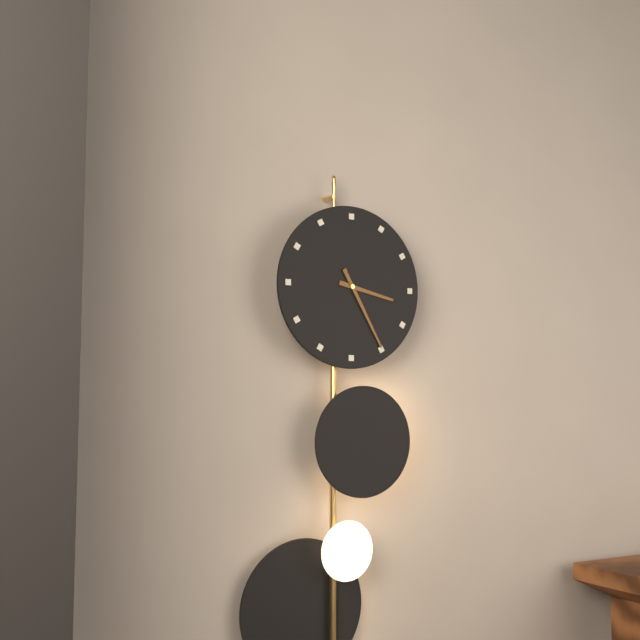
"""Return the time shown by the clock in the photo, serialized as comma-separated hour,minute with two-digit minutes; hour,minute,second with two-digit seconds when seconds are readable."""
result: 3,25
